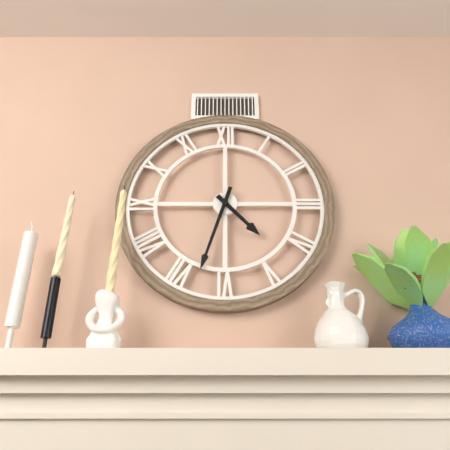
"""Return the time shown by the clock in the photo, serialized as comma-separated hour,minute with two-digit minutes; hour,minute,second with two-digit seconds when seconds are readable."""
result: 4,33
